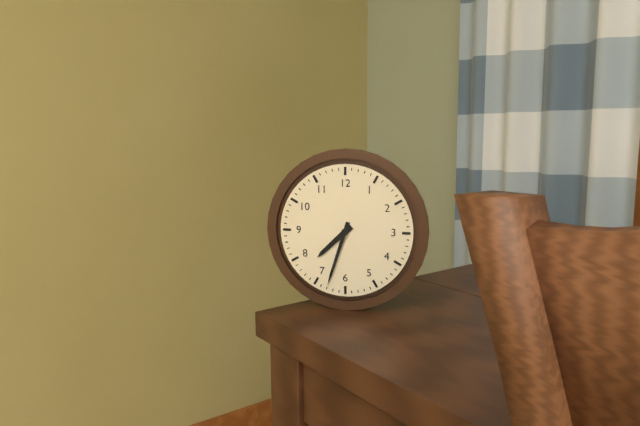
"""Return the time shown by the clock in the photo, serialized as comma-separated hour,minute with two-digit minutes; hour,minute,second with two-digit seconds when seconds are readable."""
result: 7,33
